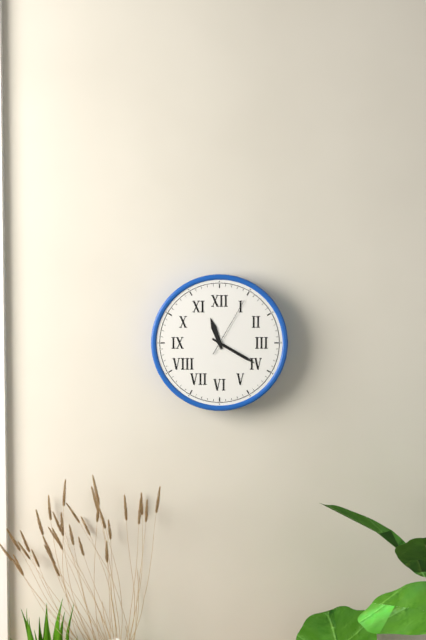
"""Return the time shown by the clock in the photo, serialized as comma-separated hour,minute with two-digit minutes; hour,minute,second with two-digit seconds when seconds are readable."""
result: 11,20,05
